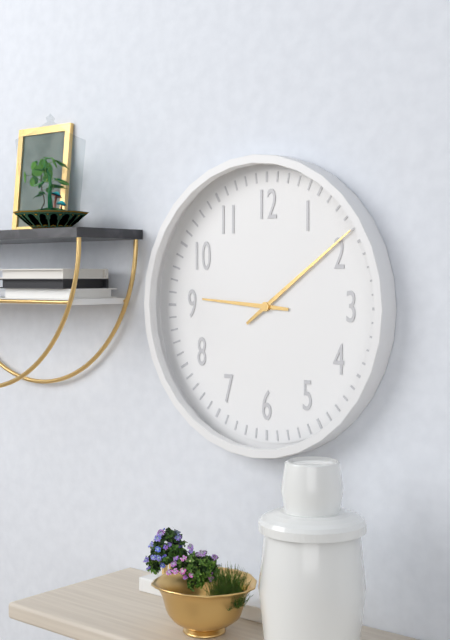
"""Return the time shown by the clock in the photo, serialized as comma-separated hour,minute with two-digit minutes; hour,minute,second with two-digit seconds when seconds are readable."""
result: 9,09
